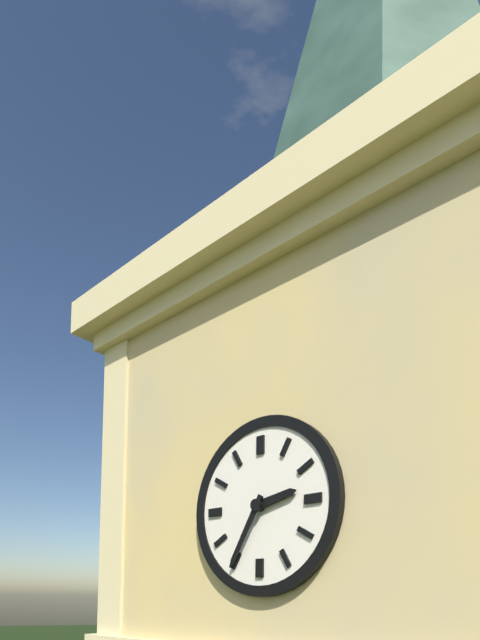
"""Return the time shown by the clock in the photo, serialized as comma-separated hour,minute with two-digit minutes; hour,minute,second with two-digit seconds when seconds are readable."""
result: 2,35
